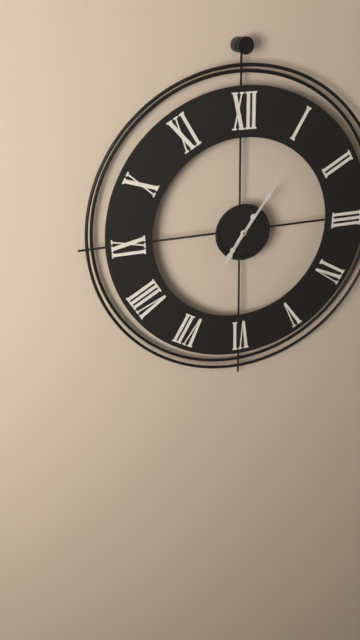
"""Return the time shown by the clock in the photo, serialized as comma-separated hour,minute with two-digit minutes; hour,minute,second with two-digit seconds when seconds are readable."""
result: 7,06
